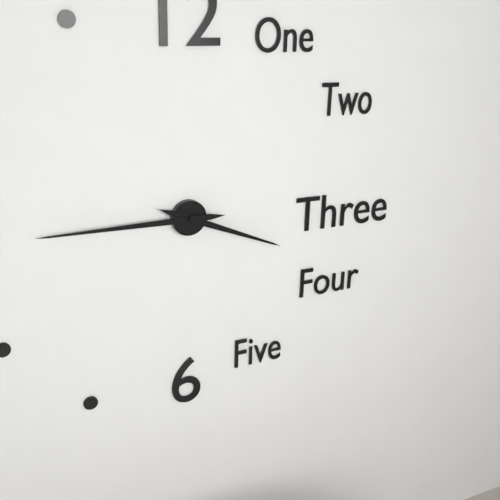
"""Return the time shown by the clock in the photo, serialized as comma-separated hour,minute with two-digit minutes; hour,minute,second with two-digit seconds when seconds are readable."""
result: 3,45
